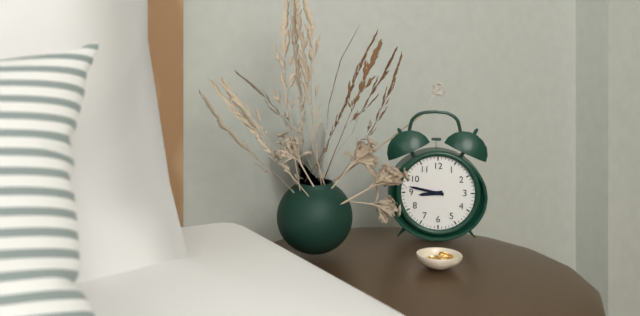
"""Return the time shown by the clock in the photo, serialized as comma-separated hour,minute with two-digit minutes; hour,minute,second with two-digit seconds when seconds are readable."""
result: 8,47
